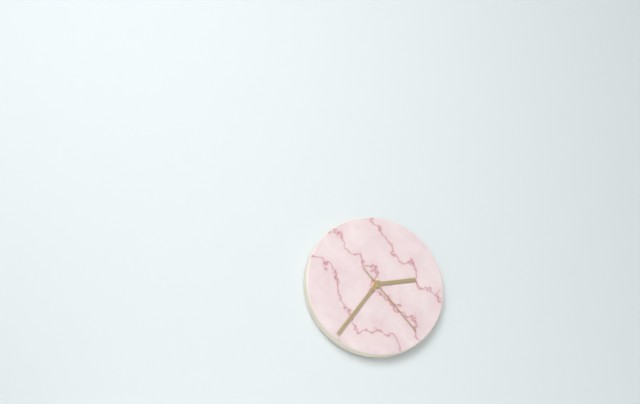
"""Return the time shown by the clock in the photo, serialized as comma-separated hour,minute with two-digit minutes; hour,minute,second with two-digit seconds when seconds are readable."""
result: 2,36,23
